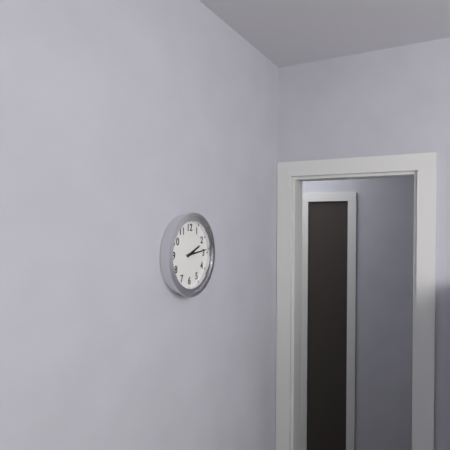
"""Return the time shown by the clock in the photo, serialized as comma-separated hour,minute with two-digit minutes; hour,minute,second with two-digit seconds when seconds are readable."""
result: 2,14
